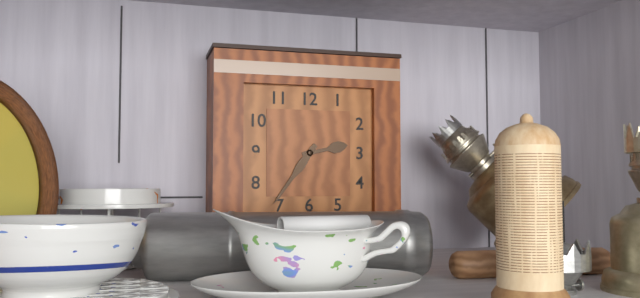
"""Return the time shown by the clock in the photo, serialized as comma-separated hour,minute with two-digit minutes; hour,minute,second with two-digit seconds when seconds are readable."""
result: 2,36
